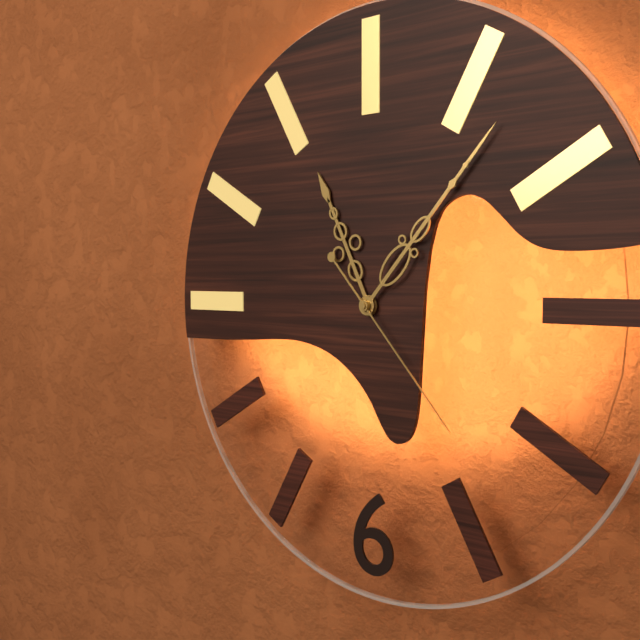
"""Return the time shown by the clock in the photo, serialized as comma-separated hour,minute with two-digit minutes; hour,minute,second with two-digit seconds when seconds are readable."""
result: 11,07,23
